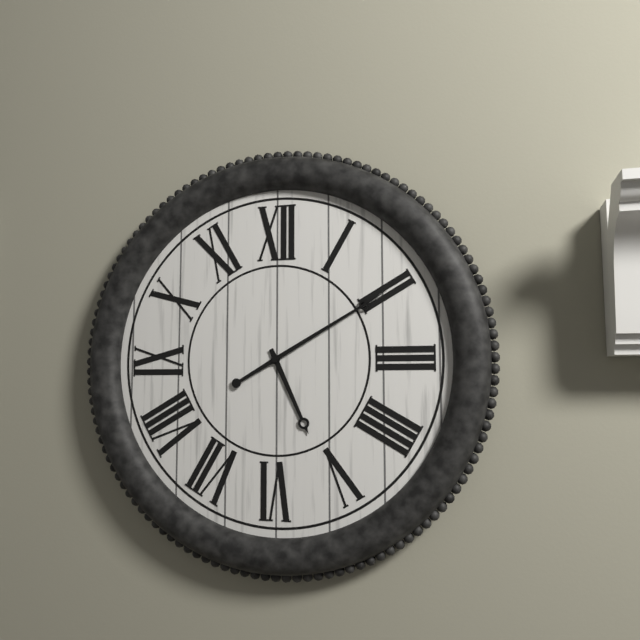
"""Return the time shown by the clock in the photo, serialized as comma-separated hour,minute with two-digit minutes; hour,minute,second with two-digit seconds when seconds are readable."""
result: 5,10
